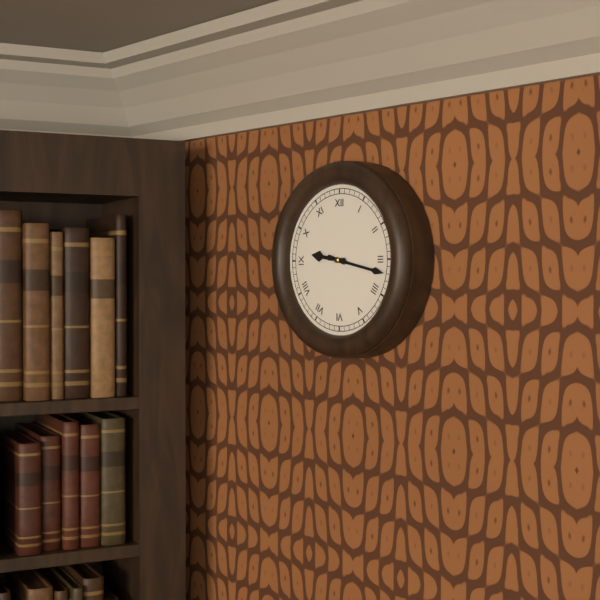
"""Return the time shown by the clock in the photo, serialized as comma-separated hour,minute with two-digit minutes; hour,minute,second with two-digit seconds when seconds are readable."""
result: 9,17
